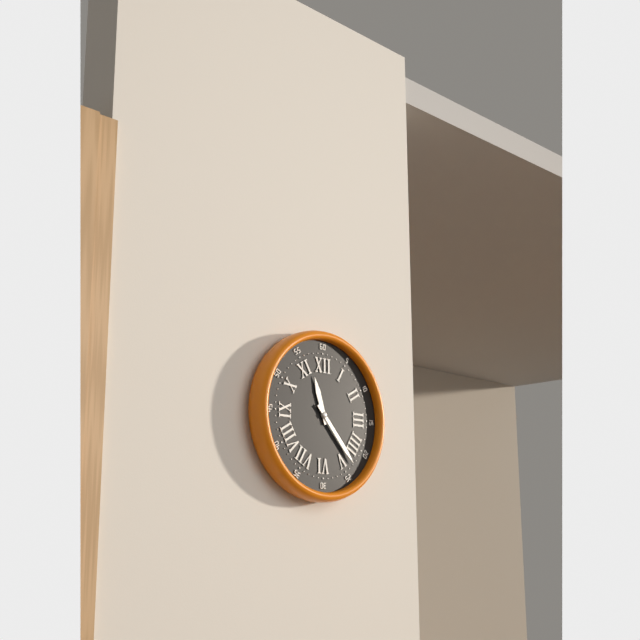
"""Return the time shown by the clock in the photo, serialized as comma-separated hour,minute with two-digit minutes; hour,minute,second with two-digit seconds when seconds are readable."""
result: 11,23
